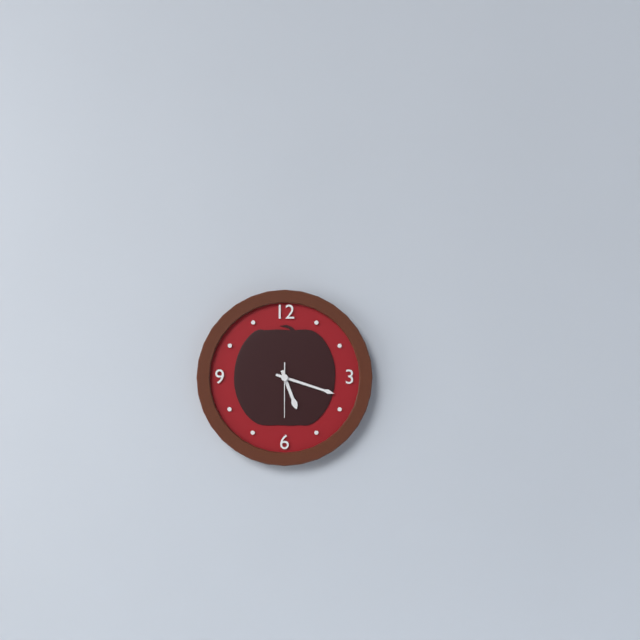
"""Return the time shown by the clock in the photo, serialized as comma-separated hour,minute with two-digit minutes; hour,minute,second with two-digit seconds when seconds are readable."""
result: 5,18,30
